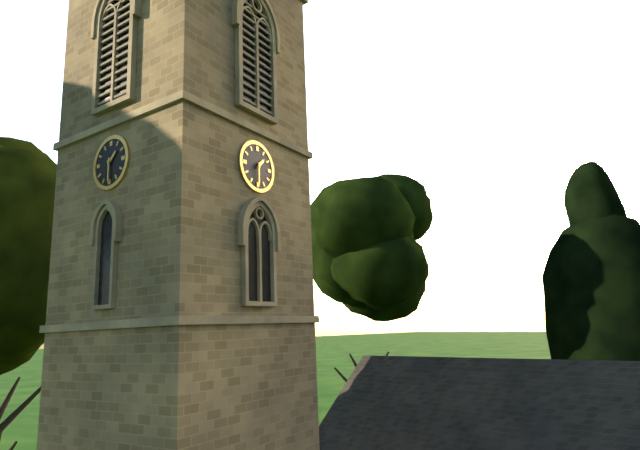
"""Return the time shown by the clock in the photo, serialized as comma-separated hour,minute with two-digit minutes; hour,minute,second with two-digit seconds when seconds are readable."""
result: 1,30
